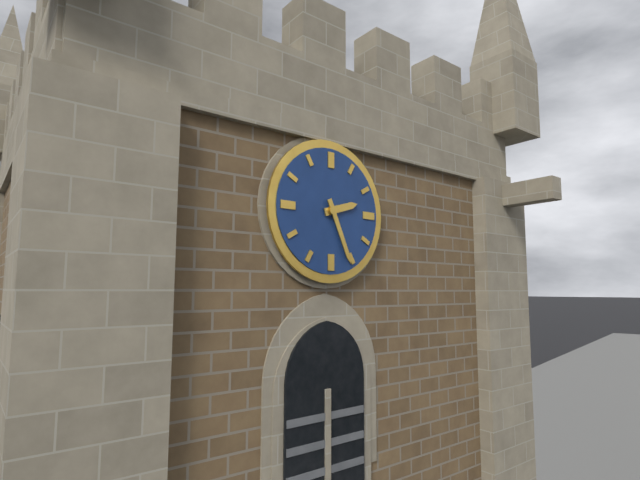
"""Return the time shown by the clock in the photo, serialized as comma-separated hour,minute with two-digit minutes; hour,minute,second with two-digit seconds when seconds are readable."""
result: 2,26
